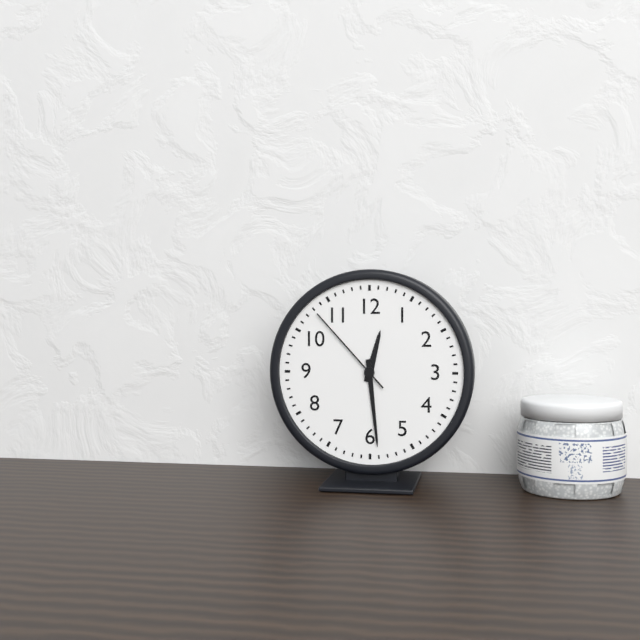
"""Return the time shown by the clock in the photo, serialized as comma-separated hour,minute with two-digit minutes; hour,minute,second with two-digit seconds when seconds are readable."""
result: 12,29,53
